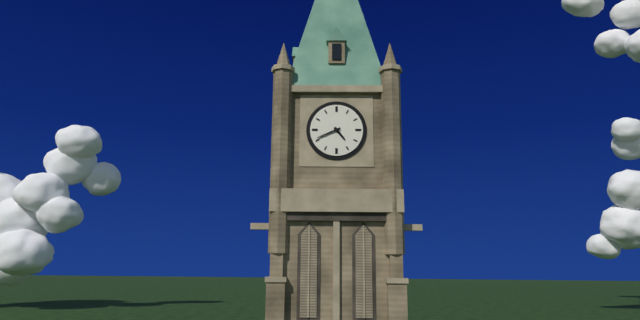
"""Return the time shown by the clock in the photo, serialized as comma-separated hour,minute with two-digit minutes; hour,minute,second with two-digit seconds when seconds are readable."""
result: 4,41
